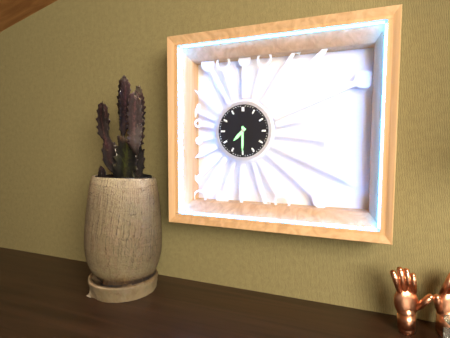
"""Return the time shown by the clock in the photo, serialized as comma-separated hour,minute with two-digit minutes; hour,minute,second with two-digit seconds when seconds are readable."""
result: 7,30
